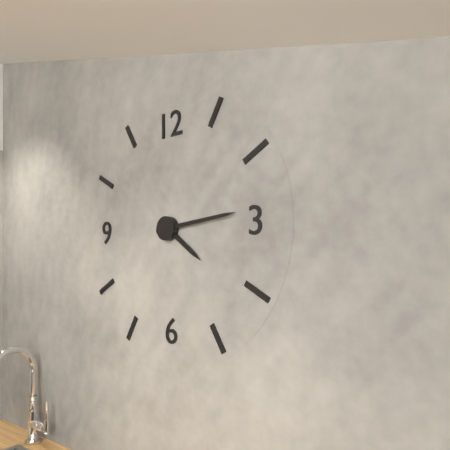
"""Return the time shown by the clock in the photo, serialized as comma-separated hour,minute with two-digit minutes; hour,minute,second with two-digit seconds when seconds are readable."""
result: 4,14
